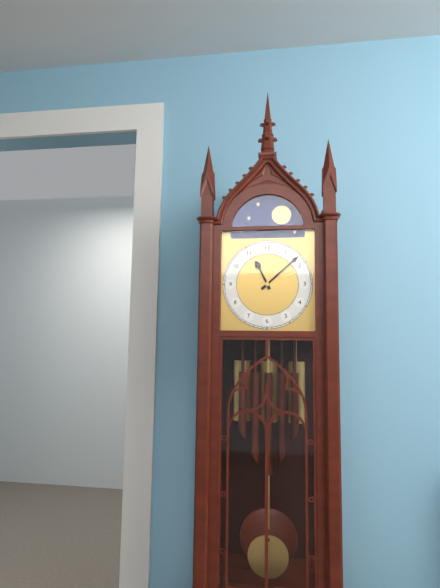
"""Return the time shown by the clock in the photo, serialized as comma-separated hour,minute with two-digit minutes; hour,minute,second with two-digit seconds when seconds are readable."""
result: 11,08
